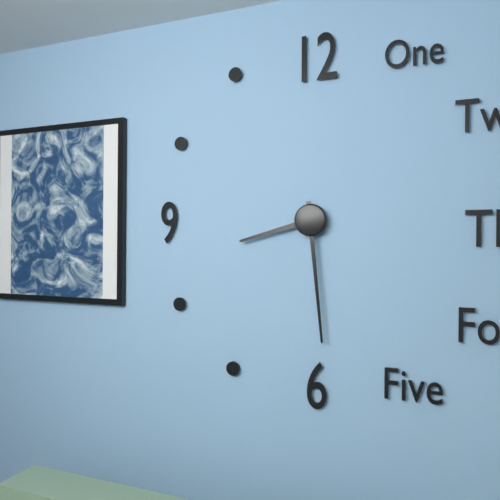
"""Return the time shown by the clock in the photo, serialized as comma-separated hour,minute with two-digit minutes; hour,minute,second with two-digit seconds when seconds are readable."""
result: 8,29
